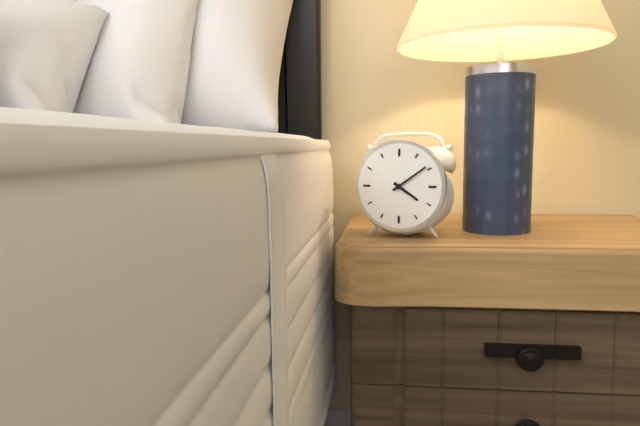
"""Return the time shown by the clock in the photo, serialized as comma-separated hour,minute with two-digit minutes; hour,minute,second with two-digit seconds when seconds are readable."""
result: 4,09
